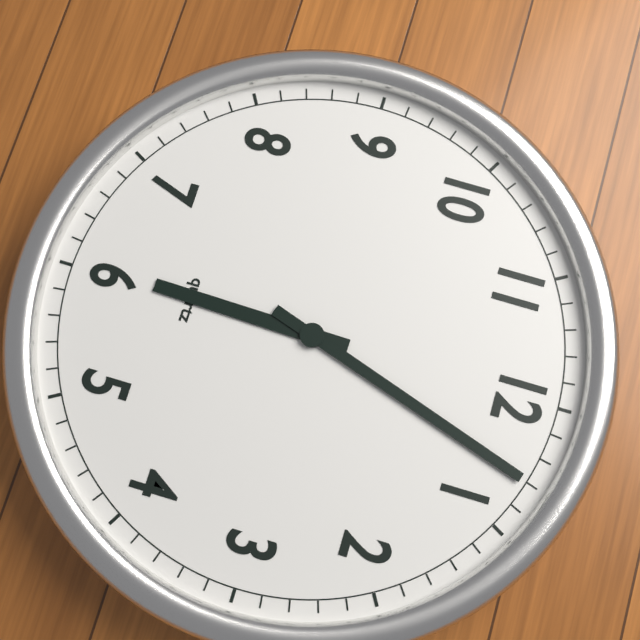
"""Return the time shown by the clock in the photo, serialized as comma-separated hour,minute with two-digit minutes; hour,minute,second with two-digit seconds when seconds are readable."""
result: 6,03
